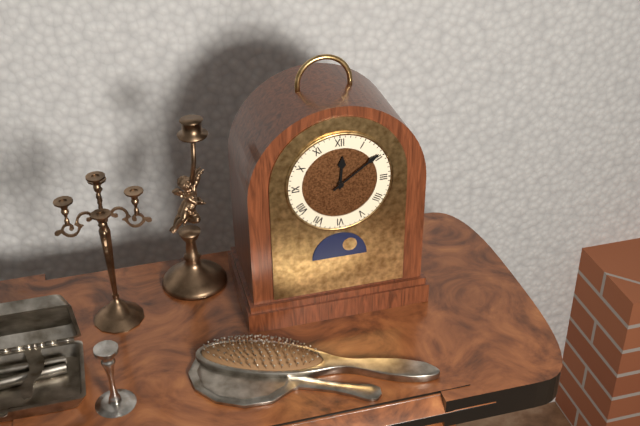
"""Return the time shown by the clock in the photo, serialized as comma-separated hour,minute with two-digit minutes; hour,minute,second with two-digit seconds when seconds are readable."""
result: 12,09
